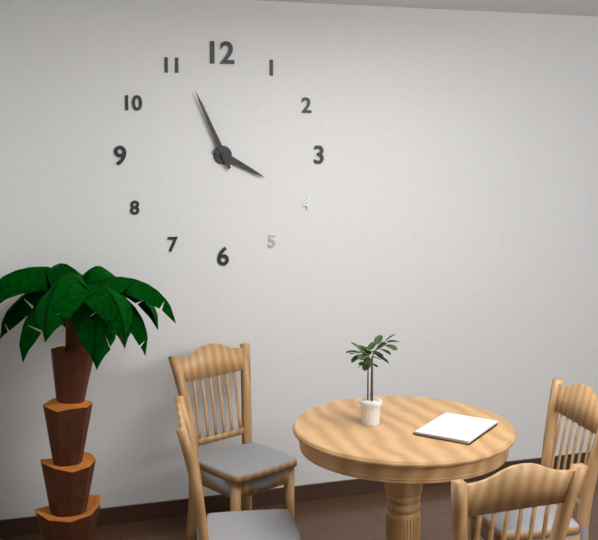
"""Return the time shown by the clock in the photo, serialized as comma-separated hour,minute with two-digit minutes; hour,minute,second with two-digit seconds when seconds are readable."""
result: 3,56
